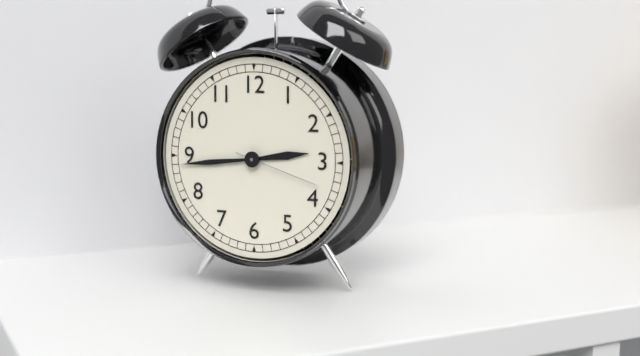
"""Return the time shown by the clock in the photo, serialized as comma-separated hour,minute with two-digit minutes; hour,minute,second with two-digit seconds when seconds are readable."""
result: 2,44,18
